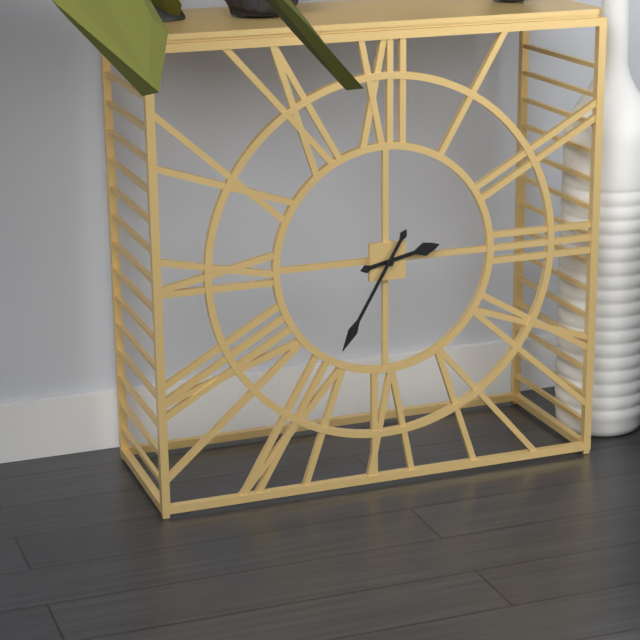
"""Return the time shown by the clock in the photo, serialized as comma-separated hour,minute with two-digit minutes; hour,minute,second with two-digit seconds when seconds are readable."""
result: 2,35
